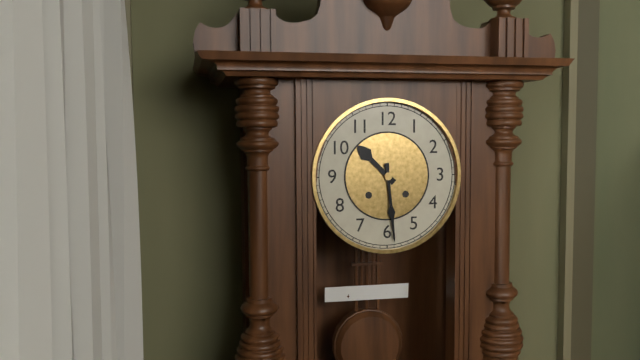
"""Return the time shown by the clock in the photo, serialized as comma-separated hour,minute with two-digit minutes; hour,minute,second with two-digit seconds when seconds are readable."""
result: 10,29
